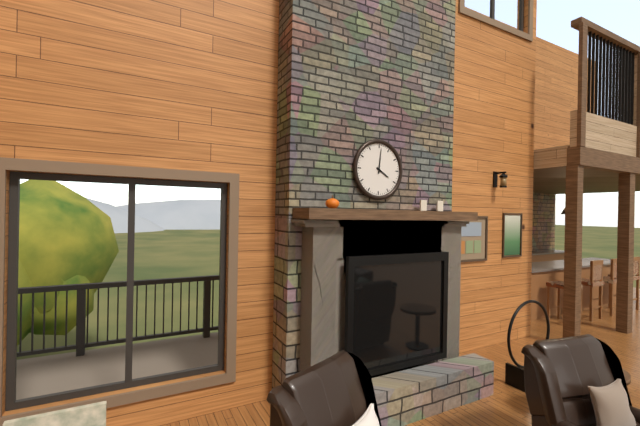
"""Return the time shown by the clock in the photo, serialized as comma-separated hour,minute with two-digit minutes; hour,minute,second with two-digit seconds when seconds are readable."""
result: 4,01
